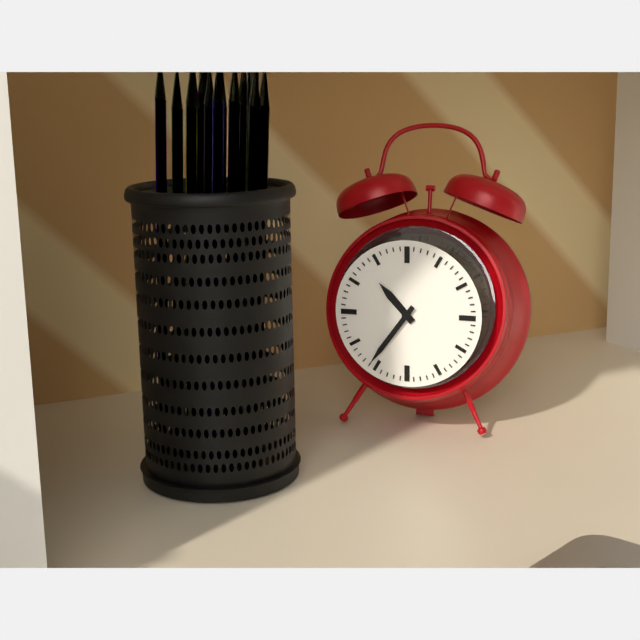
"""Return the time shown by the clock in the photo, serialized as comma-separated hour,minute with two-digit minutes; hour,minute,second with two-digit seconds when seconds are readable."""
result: 10,36
